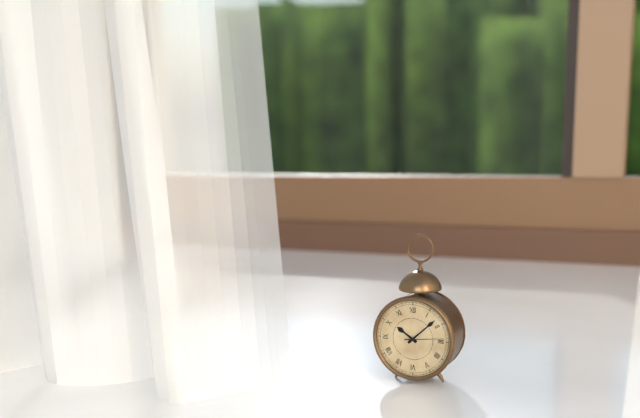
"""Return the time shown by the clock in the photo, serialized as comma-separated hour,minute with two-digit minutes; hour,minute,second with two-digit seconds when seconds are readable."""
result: 10,08
